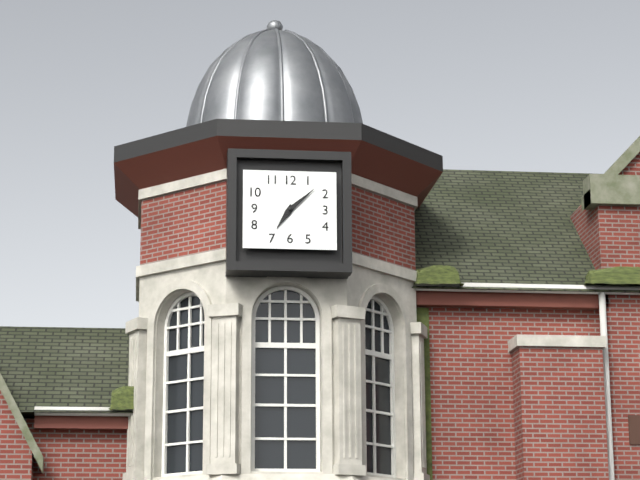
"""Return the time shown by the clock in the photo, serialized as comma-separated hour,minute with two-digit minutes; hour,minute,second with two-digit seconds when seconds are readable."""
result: 7,08
